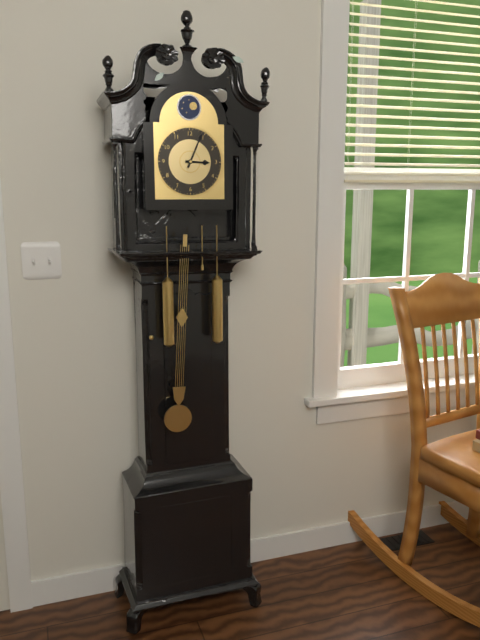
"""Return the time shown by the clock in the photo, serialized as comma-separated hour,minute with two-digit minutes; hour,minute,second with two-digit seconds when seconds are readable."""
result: 3,04
